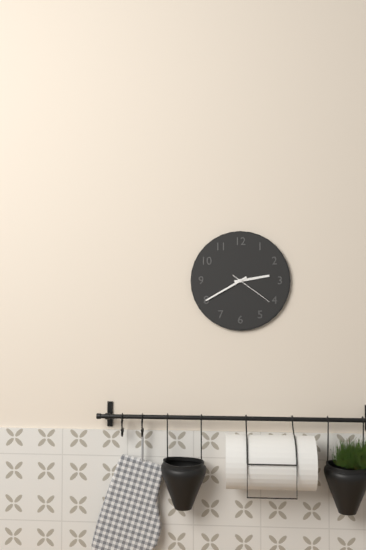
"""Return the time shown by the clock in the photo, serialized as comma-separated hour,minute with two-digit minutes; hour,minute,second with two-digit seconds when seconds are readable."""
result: 2,40
